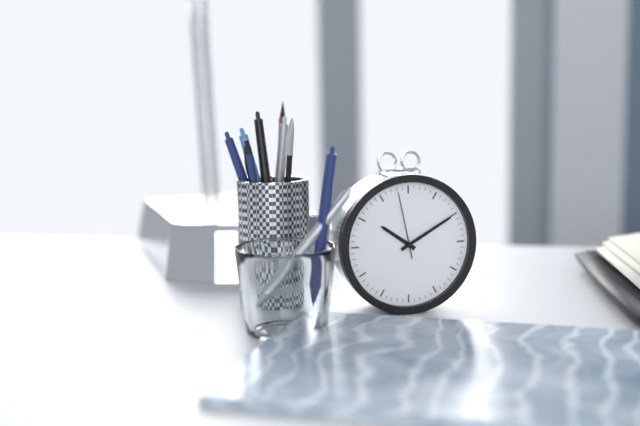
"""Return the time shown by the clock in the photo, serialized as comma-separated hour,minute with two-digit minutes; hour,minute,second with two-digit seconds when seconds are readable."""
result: 10,10,58
